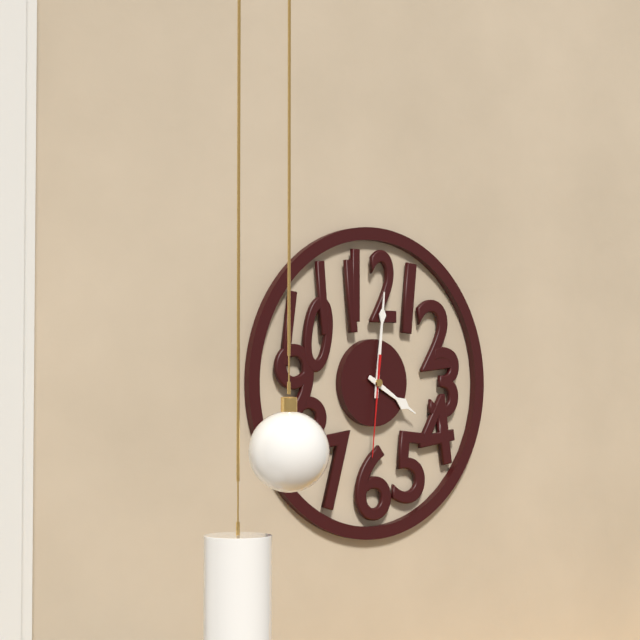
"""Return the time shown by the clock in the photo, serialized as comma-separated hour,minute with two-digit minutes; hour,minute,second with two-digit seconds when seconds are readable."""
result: 4,01,31
